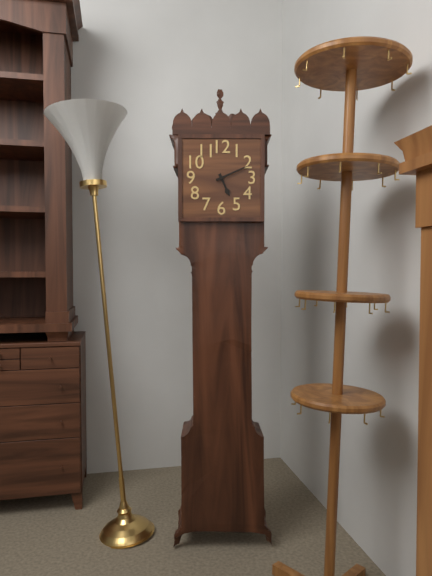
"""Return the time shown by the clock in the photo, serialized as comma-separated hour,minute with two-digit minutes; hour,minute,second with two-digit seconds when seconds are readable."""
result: 5,11
